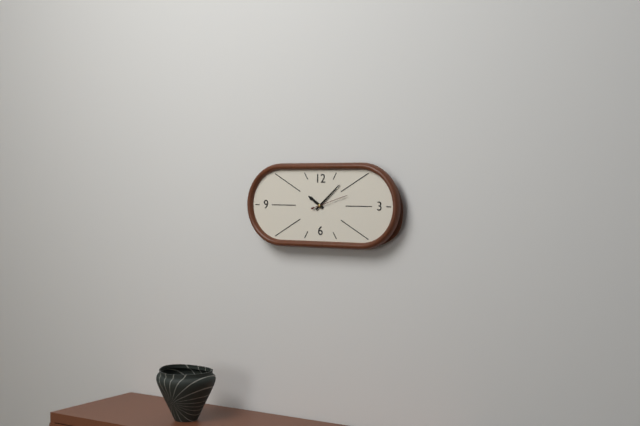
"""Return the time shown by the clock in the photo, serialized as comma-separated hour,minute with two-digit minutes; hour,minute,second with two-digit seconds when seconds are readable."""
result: 10,08
